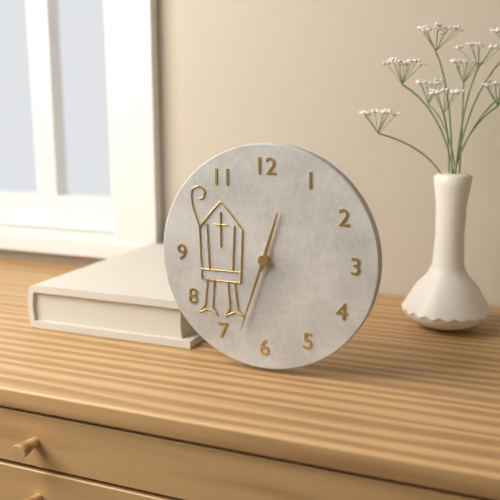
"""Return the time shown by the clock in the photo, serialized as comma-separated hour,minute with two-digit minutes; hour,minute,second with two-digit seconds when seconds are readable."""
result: 12,33
